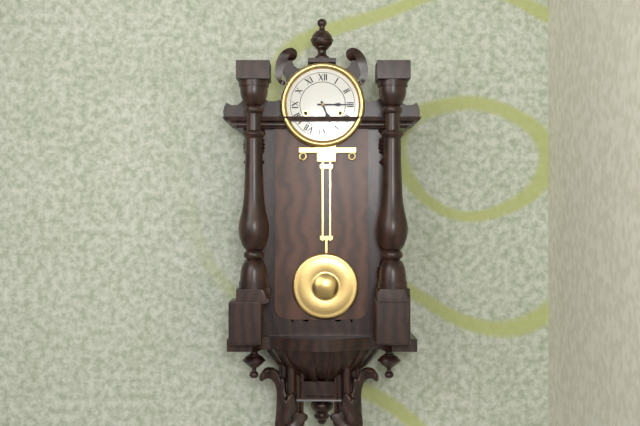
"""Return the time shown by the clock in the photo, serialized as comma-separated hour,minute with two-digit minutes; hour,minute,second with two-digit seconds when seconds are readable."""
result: 5,15
